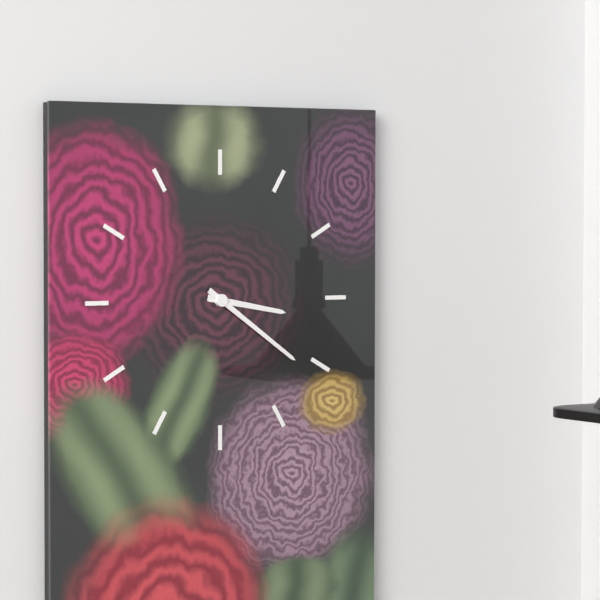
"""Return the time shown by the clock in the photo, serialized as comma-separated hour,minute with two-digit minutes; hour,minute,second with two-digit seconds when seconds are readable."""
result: 3,21
